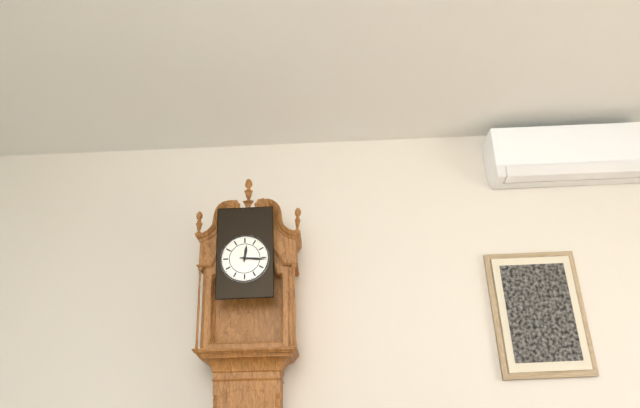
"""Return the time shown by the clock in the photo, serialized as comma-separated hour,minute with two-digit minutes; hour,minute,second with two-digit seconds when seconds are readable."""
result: 12,16
